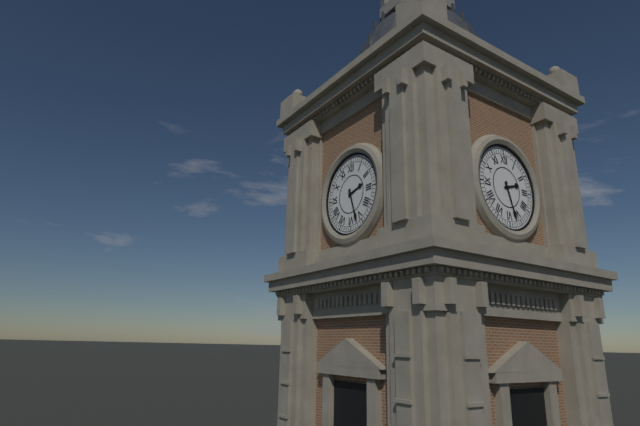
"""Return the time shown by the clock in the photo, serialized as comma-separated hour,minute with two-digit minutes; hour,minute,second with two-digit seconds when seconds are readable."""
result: 2,27
